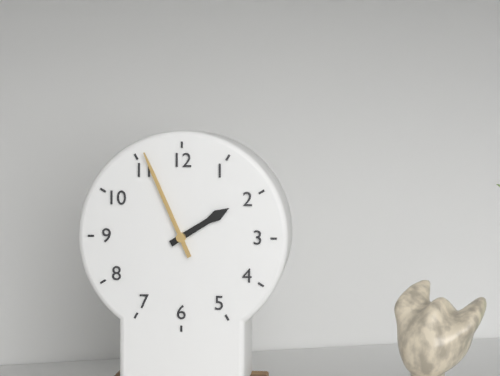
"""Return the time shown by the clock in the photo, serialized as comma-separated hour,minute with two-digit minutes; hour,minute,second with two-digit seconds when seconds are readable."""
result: 1,56
